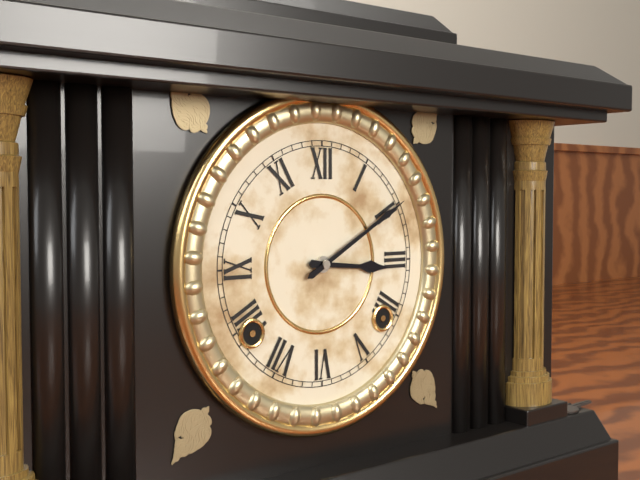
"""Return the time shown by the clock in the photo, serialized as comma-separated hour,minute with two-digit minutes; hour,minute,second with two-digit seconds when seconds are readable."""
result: 3,10
